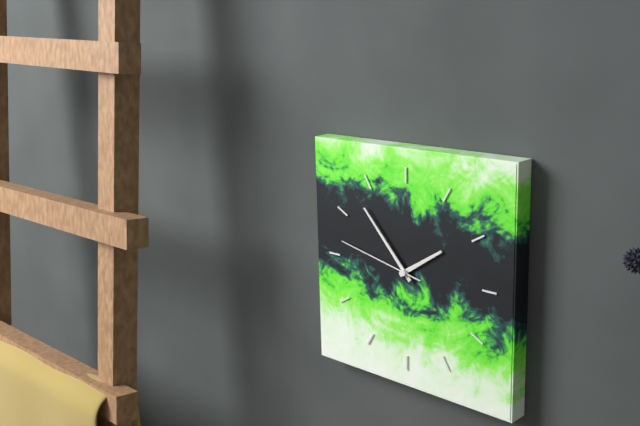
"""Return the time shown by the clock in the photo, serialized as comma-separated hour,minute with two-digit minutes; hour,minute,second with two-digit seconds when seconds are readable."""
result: 1,53,47
